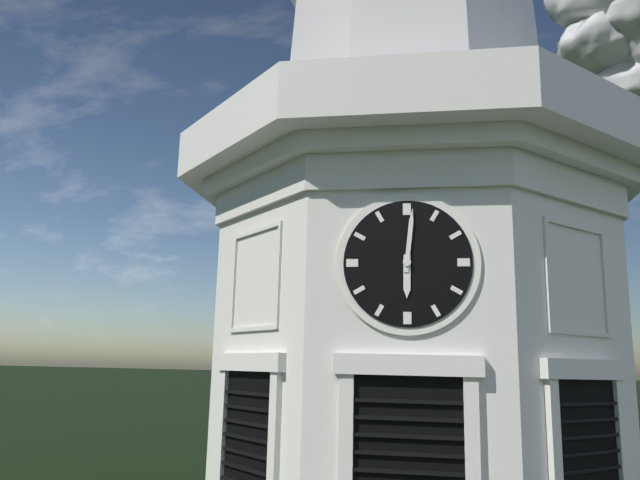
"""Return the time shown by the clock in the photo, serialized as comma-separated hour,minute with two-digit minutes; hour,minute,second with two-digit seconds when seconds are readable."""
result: 6,01
